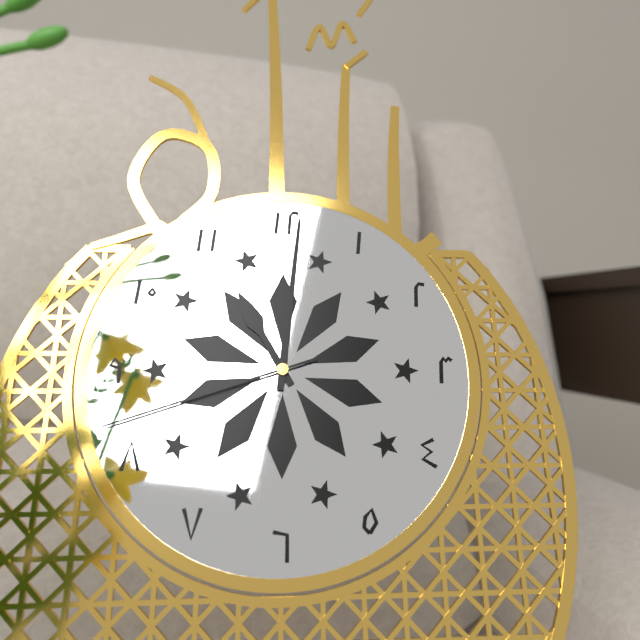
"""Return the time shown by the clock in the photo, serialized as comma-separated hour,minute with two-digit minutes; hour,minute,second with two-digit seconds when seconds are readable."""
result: 11,01,42
